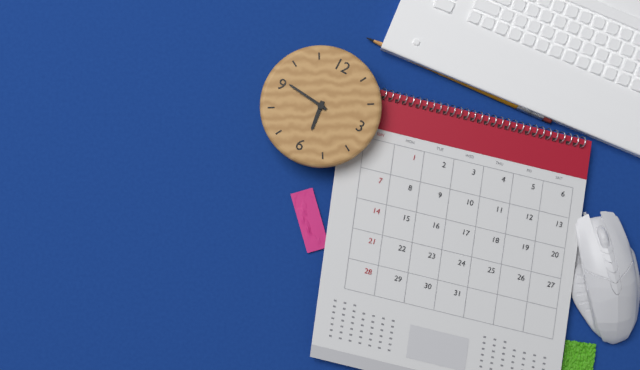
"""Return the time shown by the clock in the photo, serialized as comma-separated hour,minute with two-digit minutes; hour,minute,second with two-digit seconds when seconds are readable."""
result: 5,46
